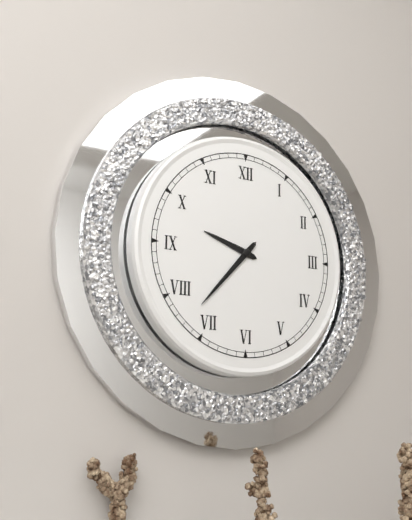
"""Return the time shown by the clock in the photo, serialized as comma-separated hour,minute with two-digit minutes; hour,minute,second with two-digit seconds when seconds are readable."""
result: 9,37
